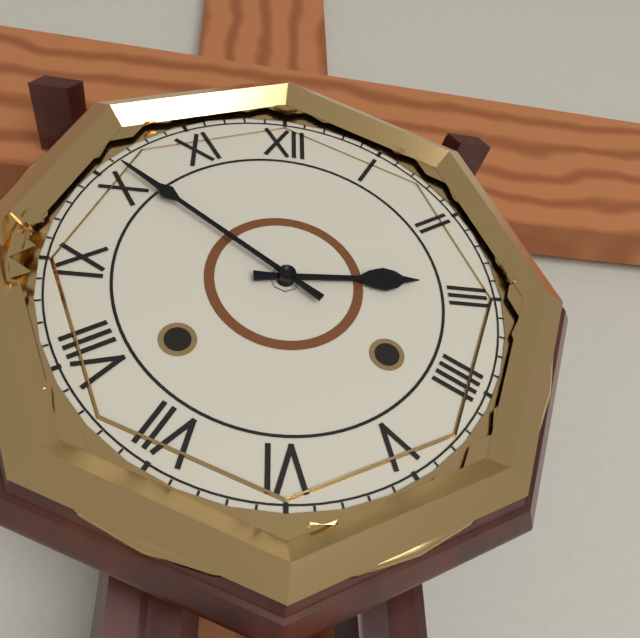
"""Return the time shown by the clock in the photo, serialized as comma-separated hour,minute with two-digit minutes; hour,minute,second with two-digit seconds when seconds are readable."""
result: 2,51
